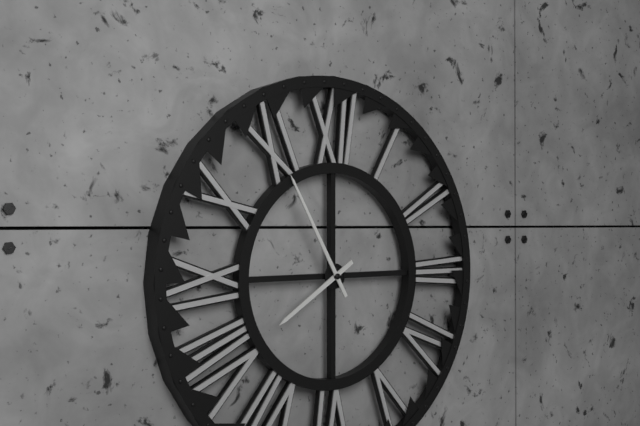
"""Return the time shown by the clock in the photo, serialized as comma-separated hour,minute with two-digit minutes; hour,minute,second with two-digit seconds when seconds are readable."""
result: 7,55
